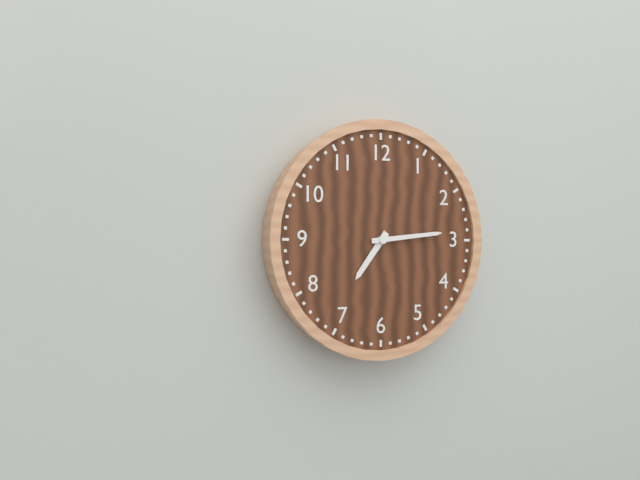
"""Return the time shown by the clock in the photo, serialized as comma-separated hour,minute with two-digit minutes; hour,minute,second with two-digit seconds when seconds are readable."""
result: 7,14
